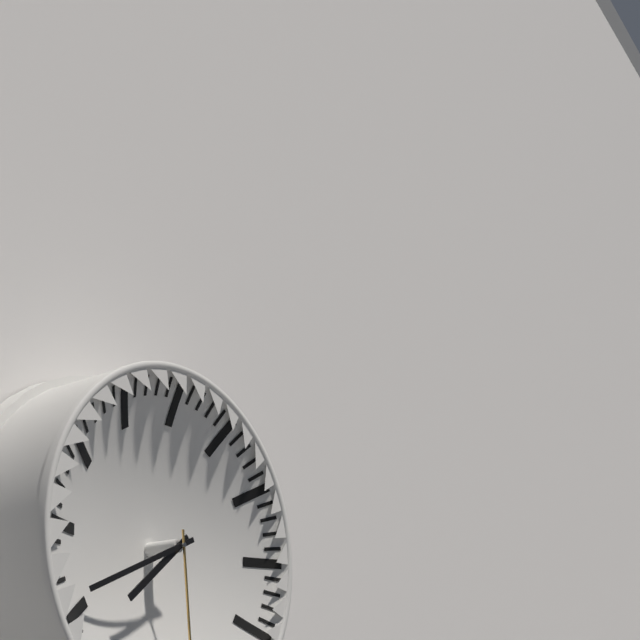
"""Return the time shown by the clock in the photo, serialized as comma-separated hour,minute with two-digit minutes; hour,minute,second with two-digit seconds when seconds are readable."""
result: 7,41
